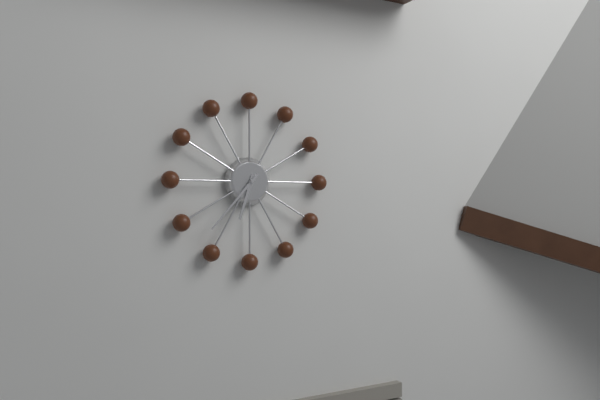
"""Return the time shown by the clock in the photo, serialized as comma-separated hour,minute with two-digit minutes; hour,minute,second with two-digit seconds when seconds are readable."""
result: 6,37
